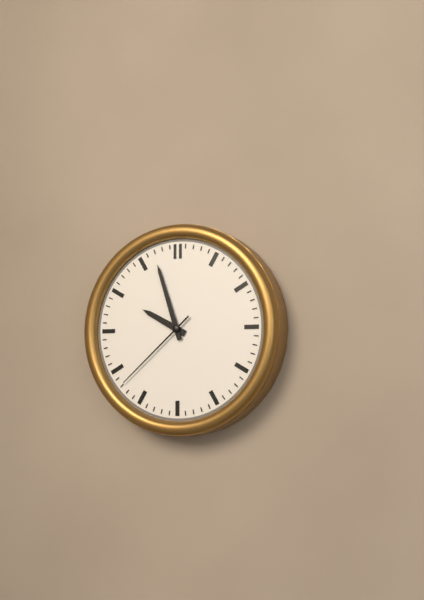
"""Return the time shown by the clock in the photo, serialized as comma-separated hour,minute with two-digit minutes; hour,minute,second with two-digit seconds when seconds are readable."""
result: 9,57,38
